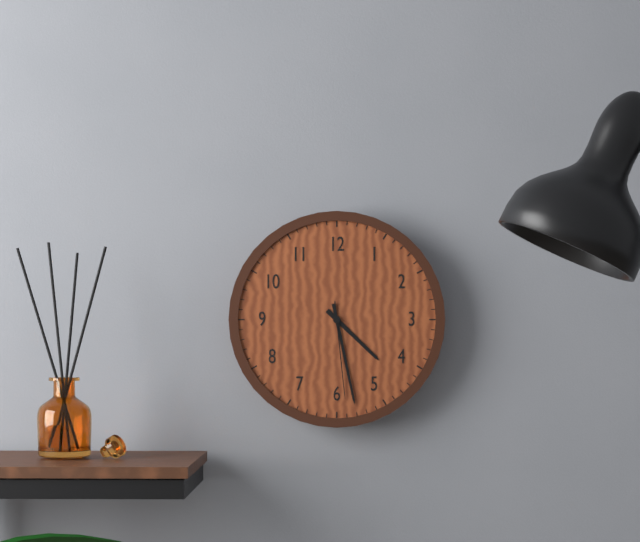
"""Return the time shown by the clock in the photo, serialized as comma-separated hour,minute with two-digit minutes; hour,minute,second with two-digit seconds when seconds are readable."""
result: 4,28,29
